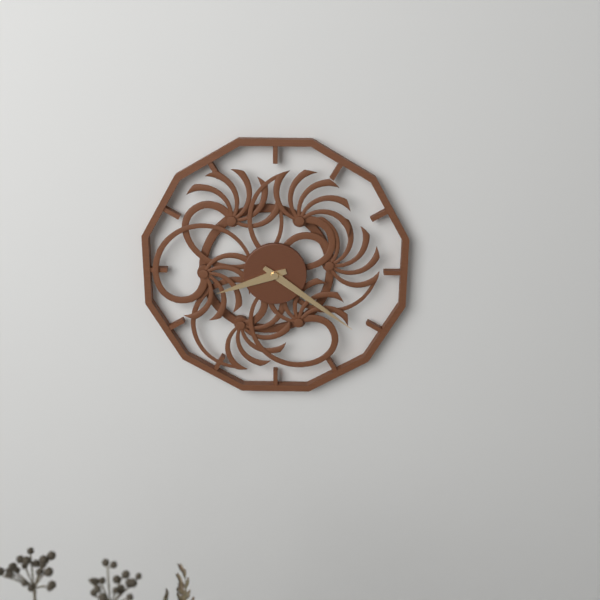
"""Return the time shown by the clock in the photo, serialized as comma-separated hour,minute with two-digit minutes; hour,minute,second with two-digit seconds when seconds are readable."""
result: 8,21
